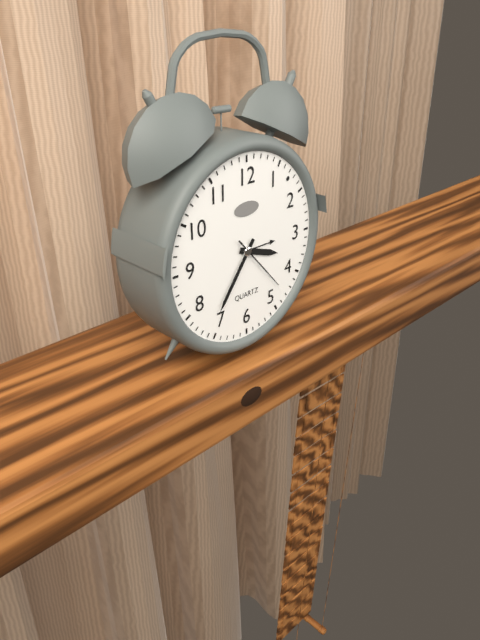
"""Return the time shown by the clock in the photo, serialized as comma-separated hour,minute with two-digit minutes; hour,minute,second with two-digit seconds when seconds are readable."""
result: 3,36,23
